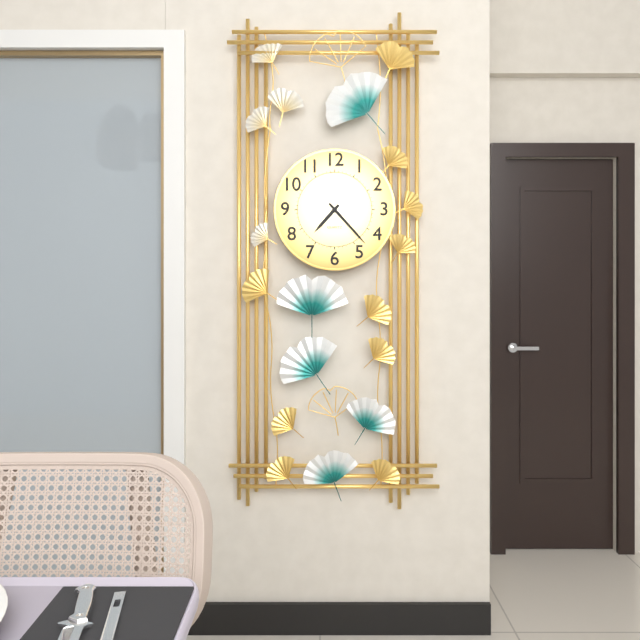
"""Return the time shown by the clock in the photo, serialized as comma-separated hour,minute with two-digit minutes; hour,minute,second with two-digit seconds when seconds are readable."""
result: 7,23
